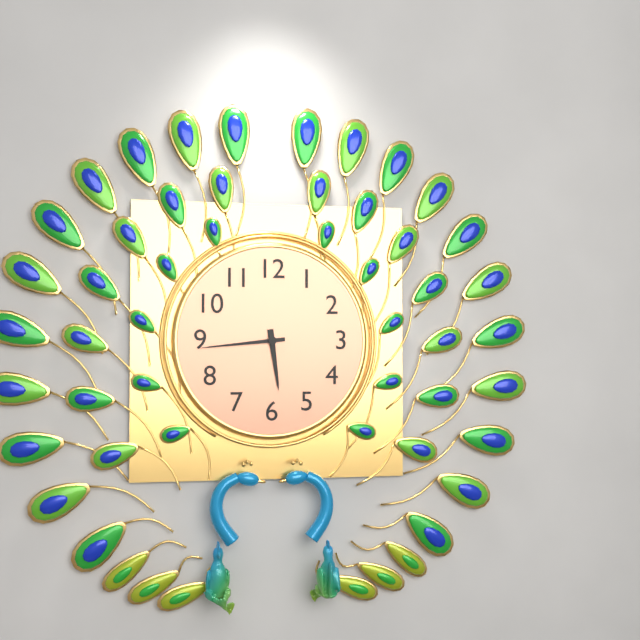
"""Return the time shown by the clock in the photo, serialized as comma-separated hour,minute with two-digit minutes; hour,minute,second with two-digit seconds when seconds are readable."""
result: 5,44
